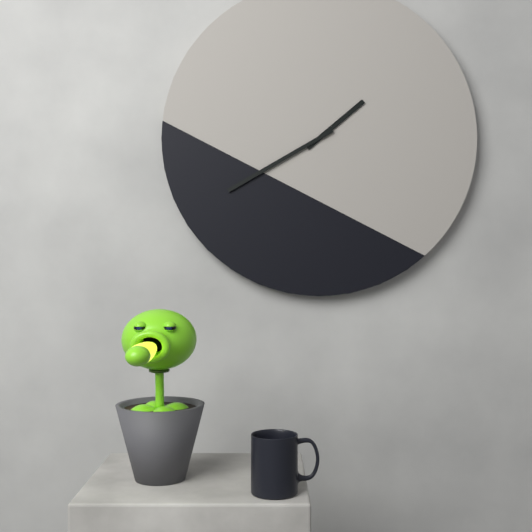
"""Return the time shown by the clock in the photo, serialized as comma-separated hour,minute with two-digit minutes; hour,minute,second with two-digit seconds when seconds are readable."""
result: 1,40
